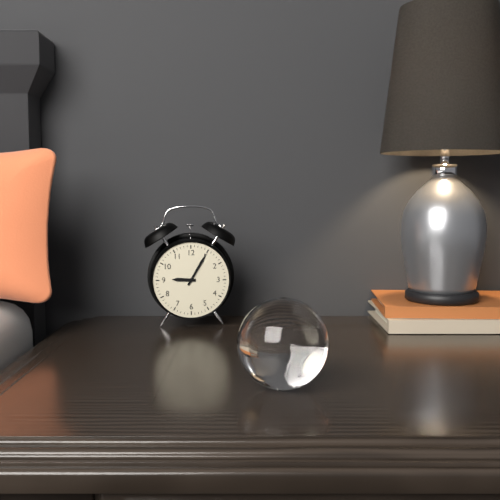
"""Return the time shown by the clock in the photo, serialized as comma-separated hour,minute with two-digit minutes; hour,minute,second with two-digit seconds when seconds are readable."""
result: 9,05
